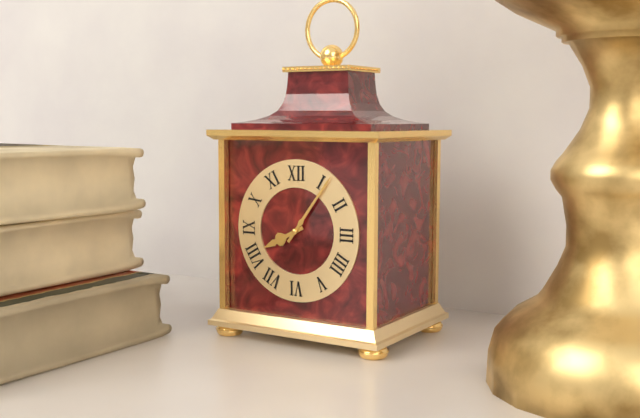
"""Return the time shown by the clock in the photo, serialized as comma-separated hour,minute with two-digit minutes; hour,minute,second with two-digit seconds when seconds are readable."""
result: 8,06
